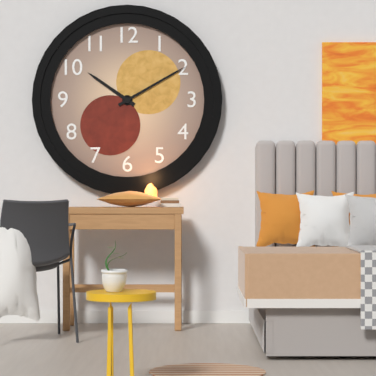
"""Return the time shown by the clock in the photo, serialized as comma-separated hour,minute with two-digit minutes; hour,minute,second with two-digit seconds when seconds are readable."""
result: 10,10
